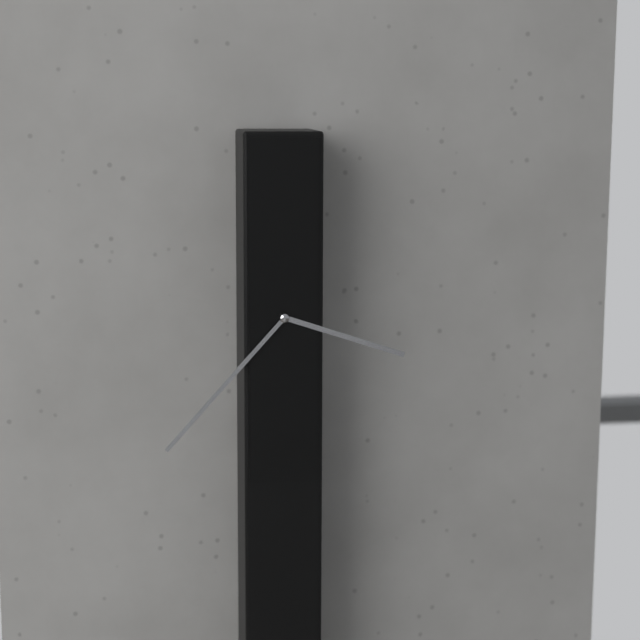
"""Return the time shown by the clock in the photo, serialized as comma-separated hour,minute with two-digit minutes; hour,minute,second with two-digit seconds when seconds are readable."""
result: 3,37
